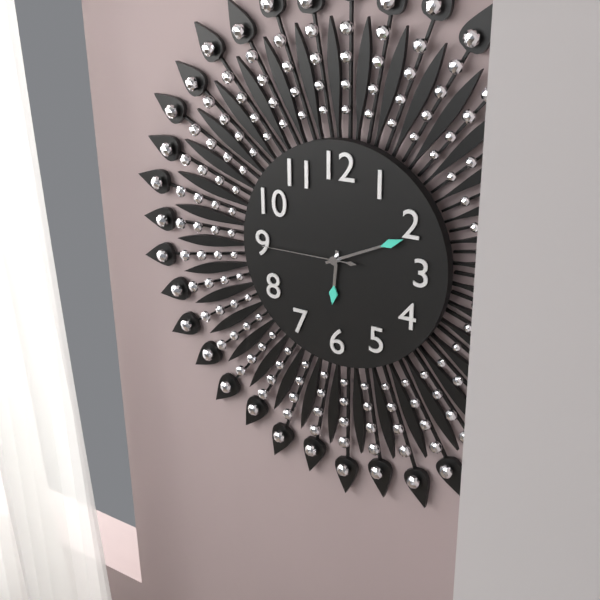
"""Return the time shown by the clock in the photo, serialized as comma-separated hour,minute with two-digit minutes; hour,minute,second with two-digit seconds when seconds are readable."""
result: 6,11,45
